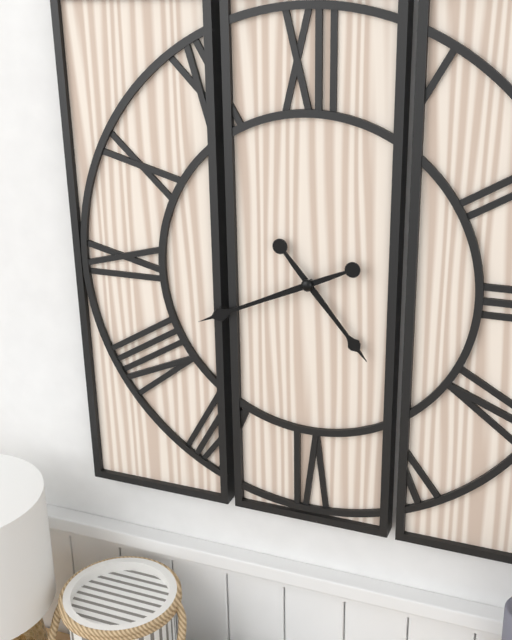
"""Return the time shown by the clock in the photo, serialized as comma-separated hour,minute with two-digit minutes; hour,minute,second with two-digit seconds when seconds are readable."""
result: 4,41
